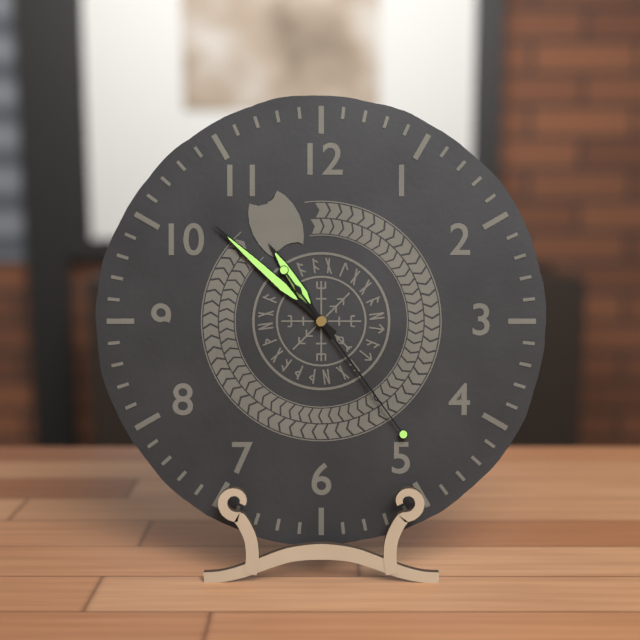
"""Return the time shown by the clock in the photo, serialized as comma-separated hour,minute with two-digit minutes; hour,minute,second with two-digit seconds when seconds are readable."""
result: 10,52,24
